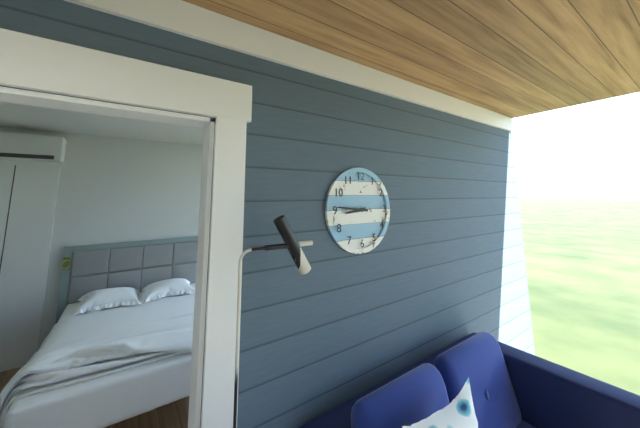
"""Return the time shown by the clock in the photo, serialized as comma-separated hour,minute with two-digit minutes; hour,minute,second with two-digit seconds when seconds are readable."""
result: 8,46
